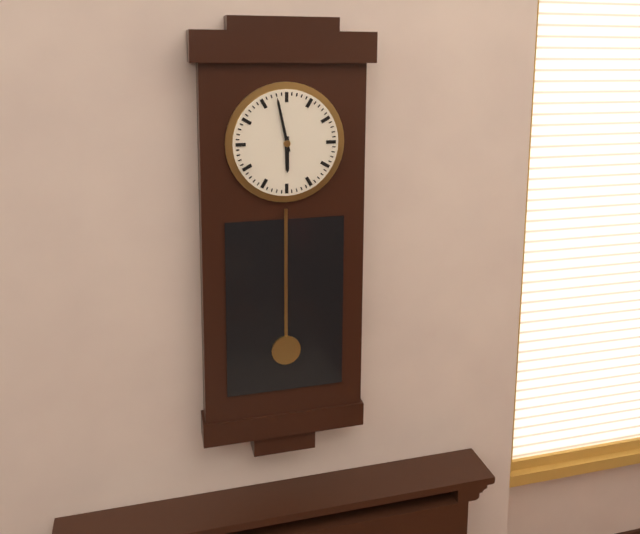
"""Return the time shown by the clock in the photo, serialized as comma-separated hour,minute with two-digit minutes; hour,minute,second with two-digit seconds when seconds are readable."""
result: 5,58
